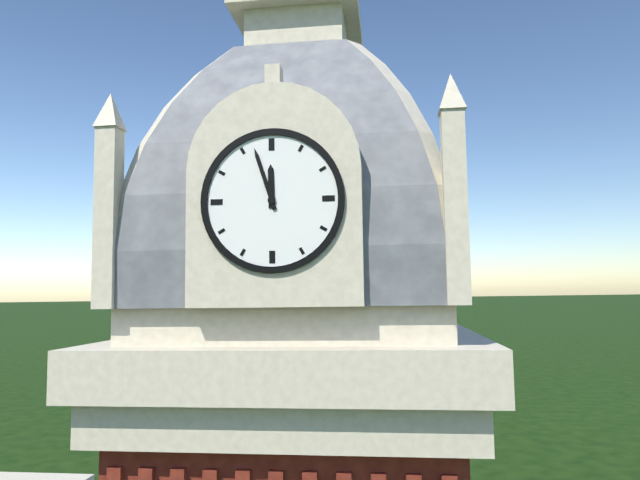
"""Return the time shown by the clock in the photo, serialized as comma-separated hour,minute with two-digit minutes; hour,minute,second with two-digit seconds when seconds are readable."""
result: 11,57
